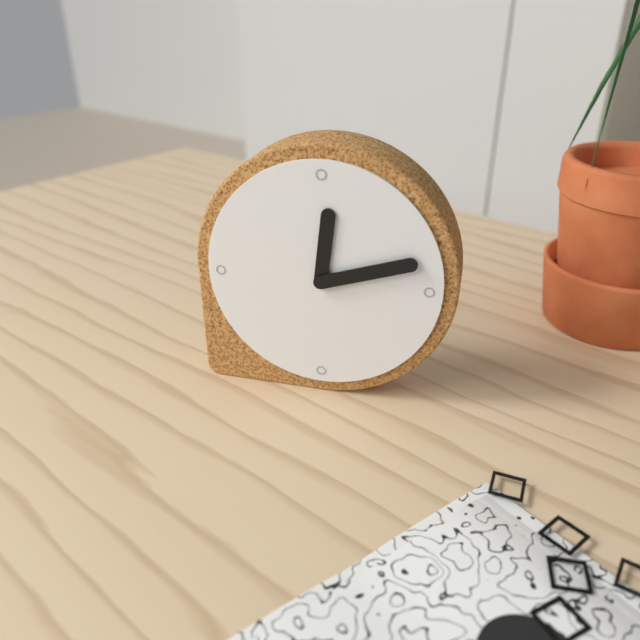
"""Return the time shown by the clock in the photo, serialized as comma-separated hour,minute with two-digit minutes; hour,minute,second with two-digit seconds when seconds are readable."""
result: 12,12
